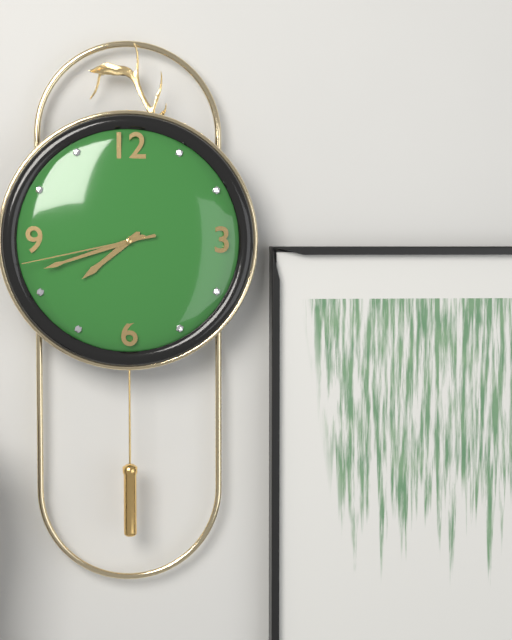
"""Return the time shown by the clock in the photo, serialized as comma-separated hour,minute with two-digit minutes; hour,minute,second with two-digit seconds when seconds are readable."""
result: 7,42,43
